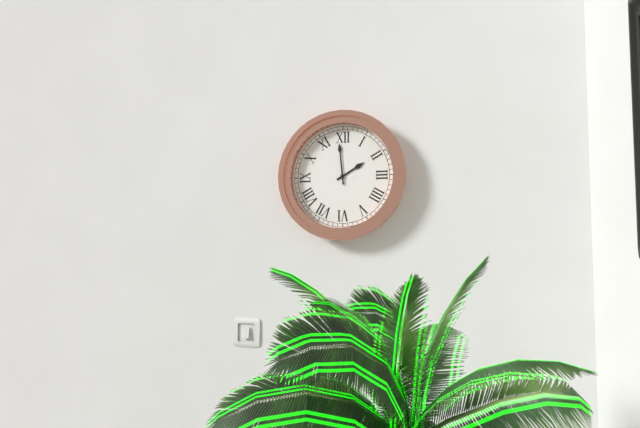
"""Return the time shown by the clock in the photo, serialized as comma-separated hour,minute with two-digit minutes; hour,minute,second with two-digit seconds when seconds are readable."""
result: 1,59
